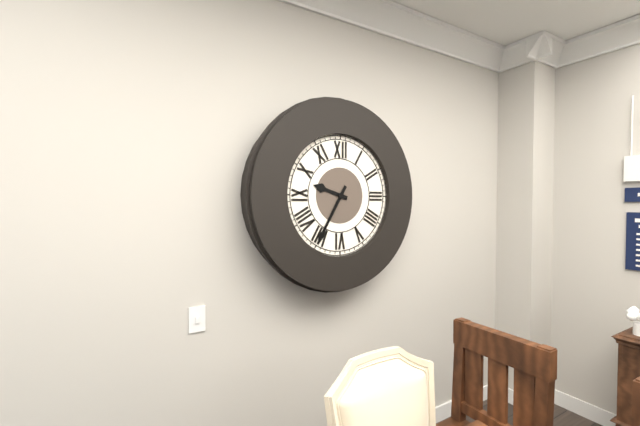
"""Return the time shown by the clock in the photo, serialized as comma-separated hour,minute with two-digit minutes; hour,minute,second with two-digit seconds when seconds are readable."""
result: 9,35
